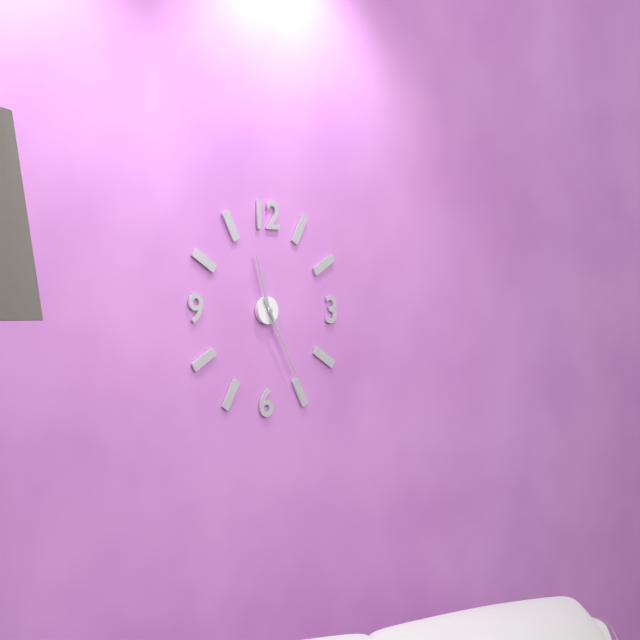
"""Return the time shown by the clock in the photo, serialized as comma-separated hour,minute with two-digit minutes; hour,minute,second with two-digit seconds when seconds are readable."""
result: 11,25
